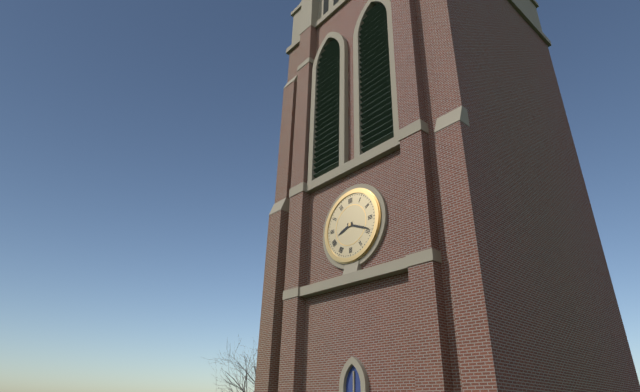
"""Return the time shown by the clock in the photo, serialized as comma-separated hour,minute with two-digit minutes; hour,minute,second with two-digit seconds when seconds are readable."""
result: 8,19
